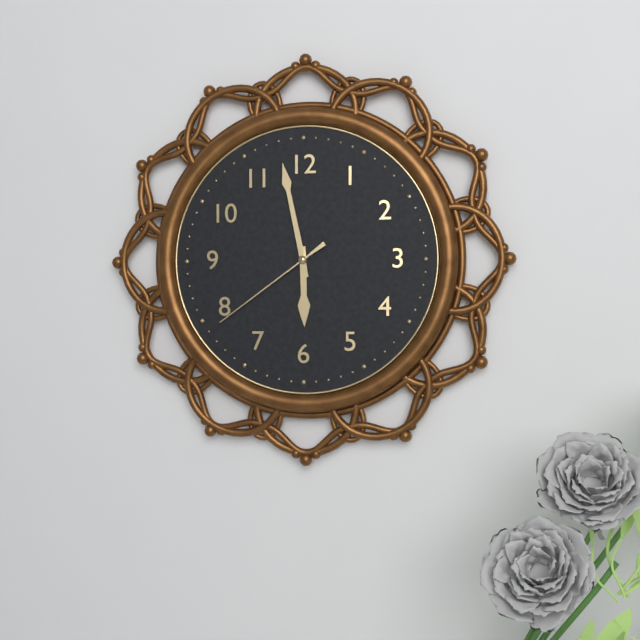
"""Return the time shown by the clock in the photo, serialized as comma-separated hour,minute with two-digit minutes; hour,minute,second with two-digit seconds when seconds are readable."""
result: 5,58,39
